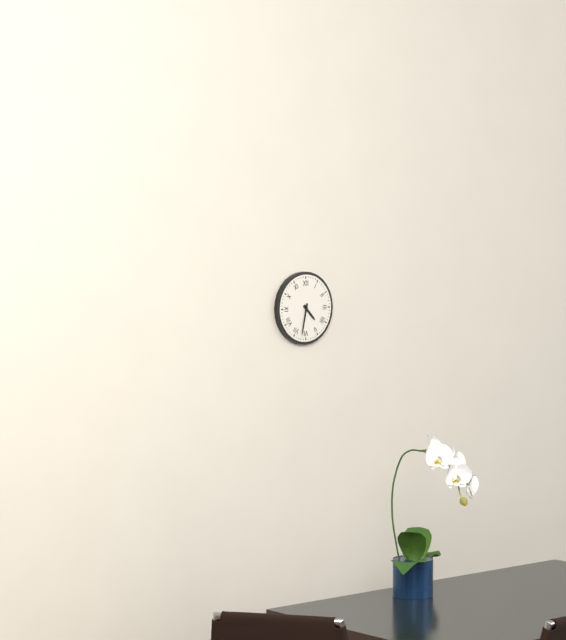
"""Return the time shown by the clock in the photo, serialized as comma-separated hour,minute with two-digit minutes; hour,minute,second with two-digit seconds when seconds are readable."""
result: 4,32
